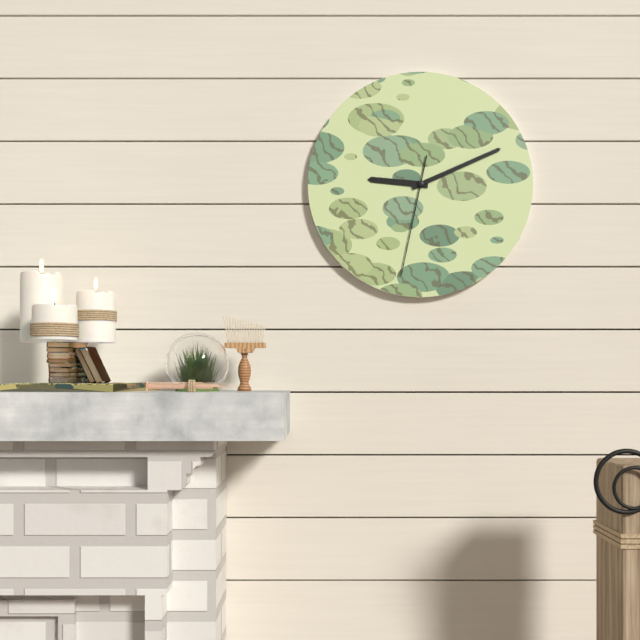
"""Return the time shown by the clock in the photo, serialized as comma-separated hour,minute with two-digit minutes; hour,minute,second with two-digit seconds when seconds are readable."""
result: 9,11,32
